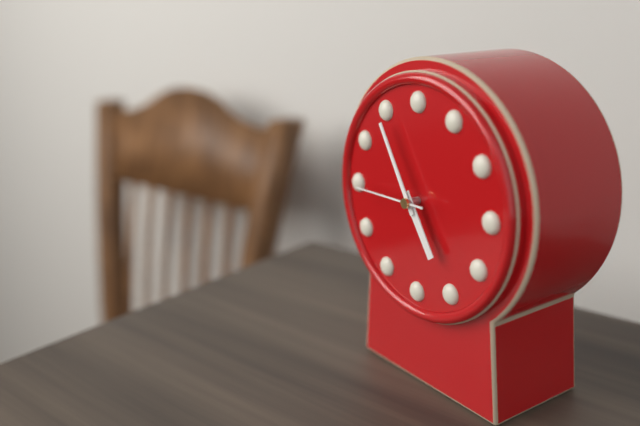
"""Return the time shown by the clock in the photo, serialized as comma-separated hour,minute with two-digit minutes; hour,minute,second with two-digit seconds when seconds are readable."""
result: 4,55,45
